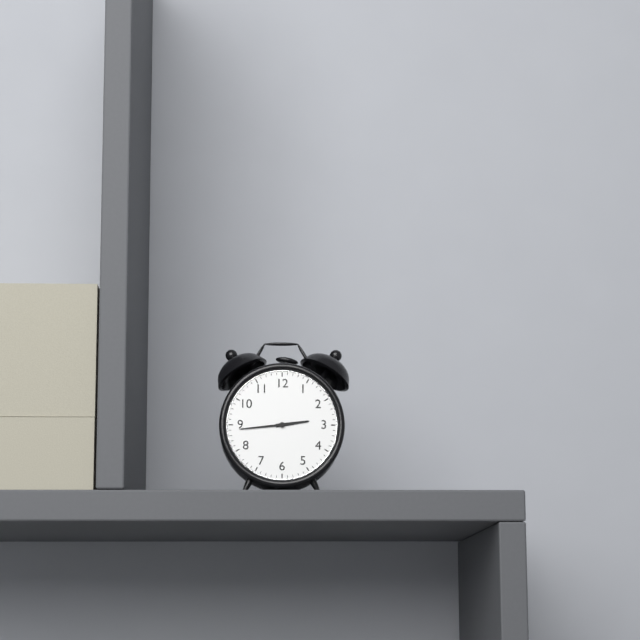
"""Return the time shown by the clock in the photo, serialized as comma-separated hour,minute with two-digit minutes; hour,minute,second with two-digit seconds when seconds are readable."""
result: 2,44
